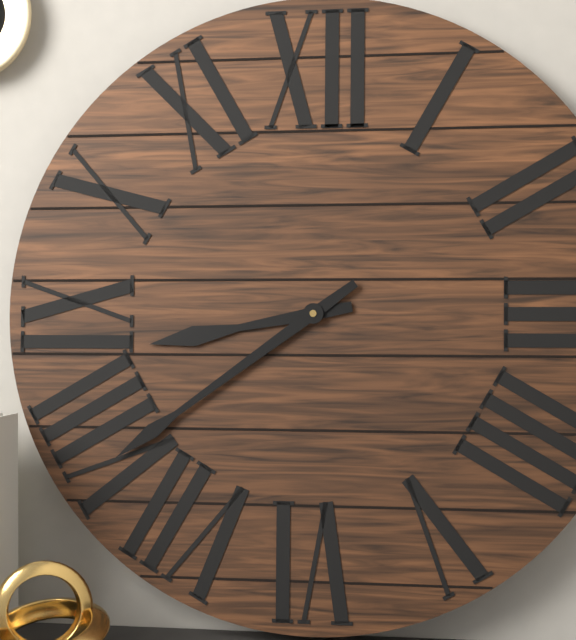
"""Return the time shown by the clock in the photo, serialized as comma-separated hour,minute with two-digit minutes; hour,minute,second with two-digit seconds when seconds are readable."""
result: 8,39
